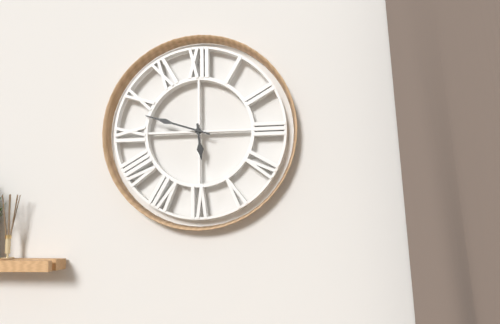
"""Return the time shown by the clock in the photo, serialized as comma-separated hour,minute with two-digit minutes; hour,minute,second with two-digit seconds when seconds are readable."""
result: 5,48
